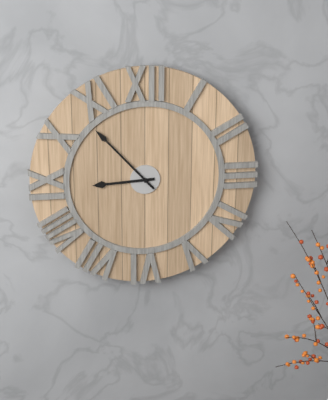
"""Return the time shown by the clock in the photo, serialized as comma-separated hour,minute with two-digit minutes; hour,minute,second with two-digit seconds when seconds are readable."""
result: 8,53
